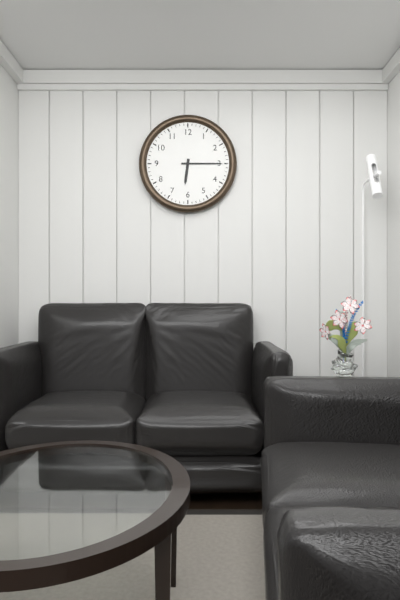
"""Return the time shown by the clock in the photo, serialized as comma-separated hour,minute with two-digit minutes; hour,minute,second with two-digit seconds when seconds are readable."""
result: 6,15
